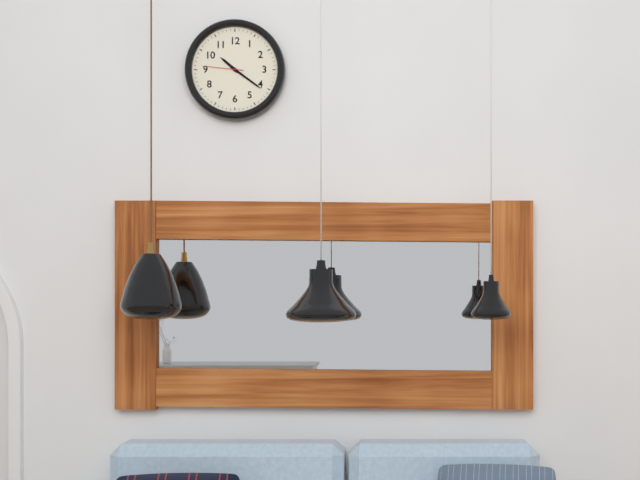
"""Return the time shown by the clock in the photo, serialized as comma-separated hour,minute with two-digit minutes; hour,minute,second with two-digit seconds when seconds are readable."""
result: 10,21
